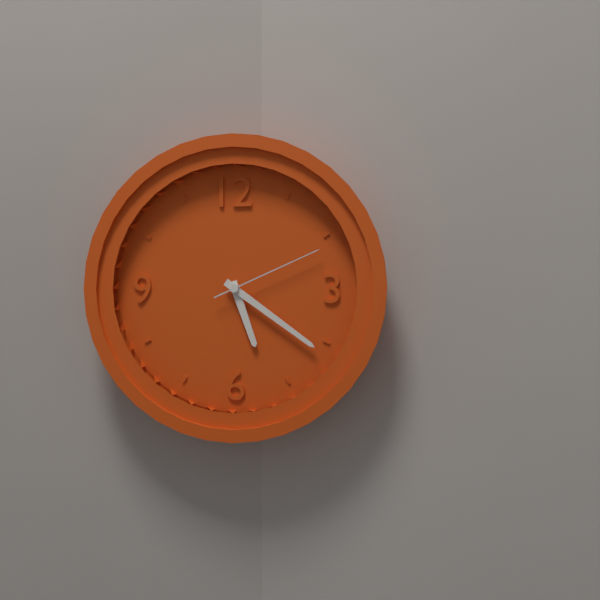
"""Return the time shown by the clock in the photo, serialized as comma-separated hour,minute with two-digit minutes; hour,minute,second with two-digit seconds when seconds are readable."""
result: 5,21,11
